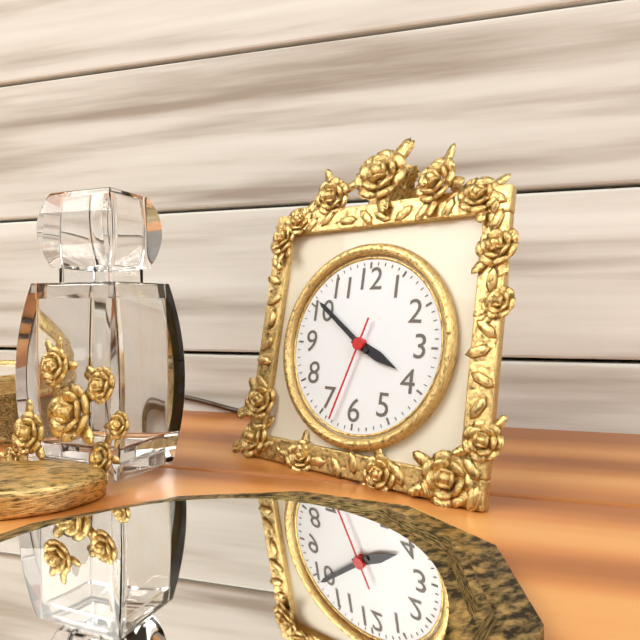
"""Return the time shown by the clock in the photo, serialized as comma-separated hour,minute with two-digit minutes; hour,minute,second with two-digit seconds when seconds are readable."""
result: 3,51,33
